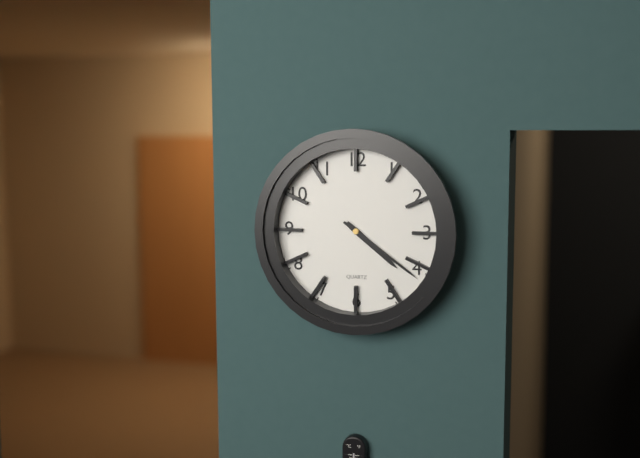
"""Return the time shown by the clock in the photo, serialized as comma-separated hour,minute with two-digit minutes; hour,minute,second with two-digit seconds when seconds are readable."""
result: 4,21
